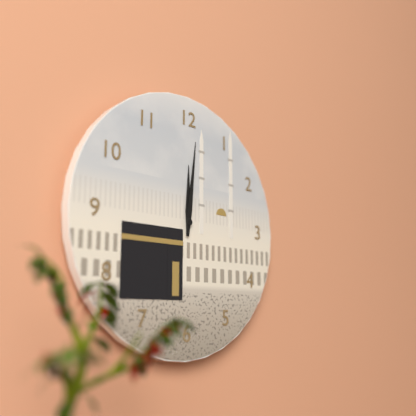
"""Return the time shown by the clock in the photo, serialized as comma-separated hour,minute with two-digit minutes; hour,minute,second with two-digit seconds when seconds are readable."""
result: 12,01
